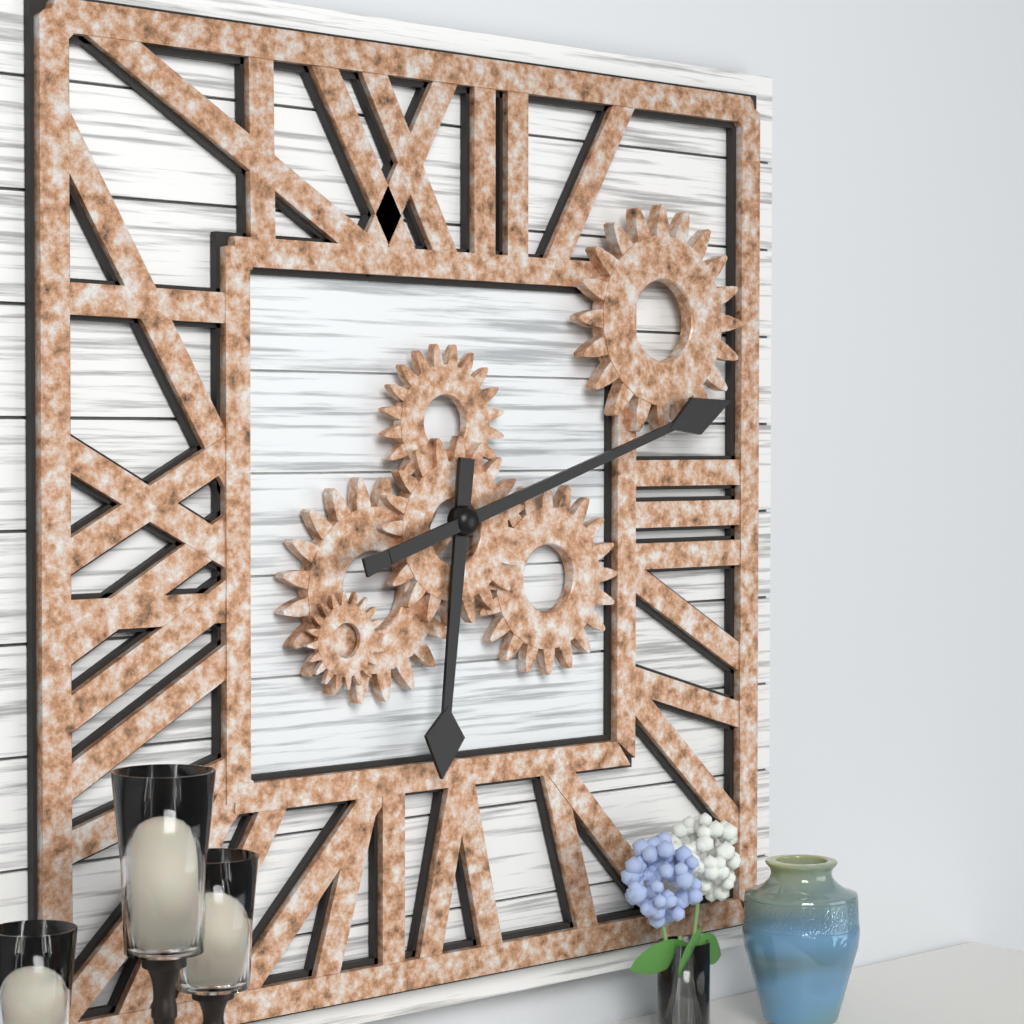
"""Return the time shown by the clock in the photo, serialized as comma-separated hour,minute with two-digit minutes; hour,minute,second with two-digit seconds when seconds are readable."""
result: 6,12
